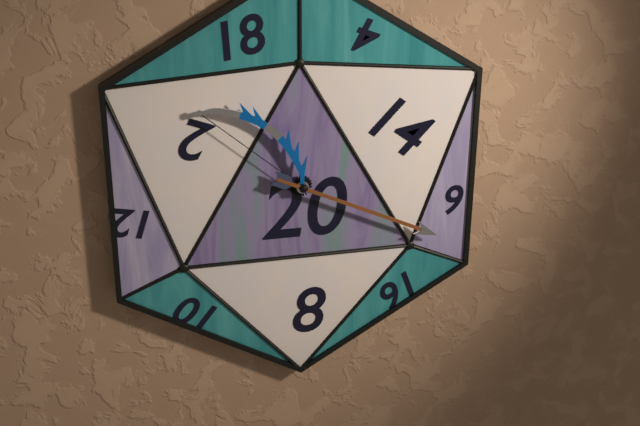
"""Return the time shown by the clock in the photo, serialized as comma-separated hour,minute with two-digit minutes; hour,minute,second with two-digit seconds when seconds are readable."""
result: 10,19
